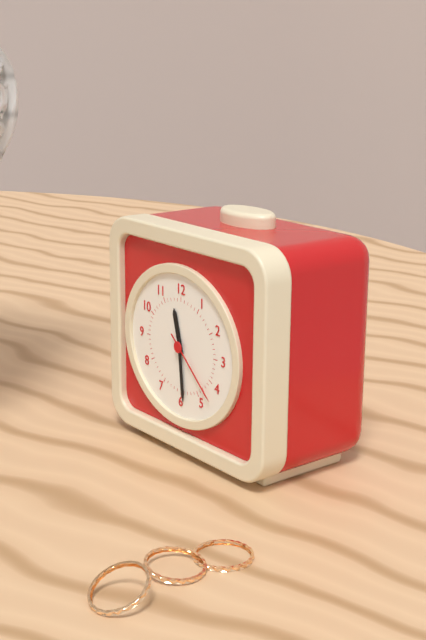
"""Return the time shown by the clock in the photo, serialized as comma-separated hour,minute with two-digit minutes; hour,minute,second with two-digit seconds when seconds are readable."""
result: 11,29,22
